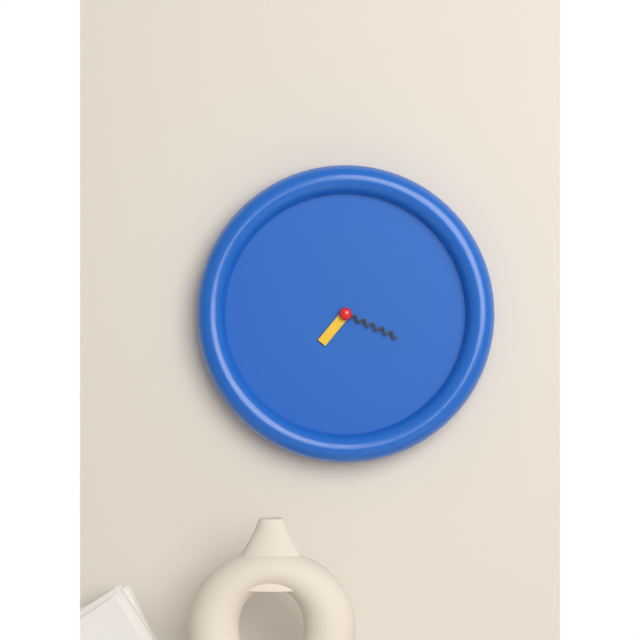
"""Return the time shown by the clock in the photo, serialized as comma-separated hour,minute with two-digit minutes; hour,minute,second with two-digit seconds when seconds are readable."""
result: 7,19
